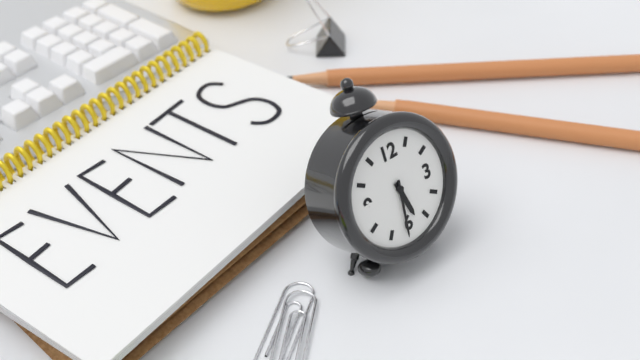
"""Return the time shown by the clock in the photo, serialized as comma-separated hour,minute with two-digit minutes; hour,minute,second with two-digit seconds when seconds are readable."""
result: 5,31
